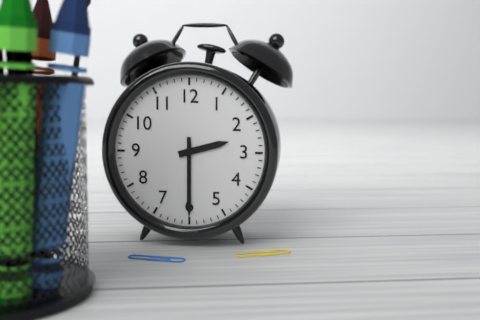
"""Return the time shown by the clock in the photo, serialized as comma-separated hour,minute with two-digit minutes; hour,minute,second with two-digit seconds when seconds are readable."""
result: 2,30
